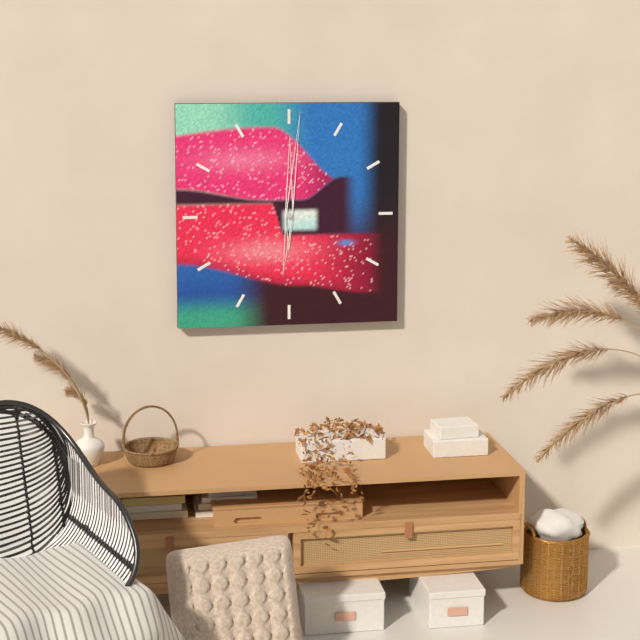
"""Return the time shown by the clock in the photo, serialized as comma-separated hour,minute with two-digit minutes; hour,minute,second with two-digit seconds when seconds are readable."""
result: 12,01
